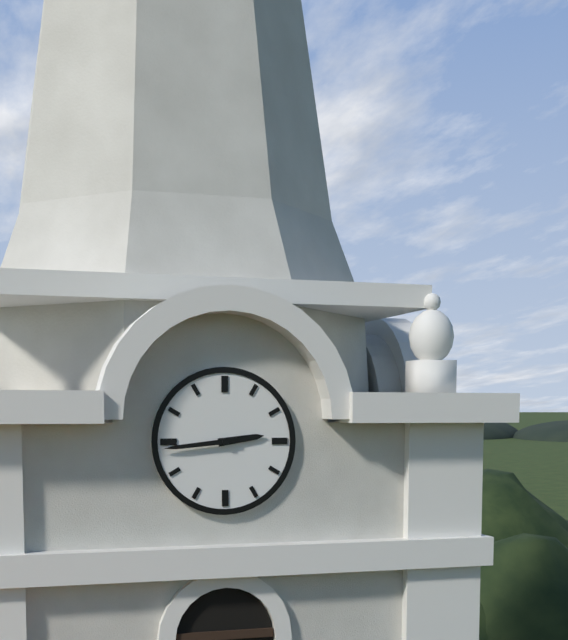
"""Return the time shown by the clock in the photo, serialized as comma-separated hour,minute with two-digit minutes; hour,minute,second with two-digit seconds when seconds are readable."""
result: 2,44
